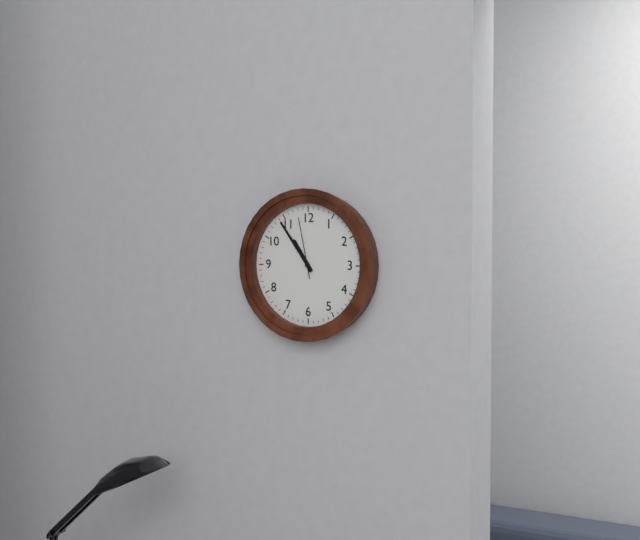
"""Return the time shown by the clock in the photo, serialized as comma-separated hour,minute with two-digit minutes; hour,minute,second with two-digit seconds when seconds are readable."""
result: 10,54,58
